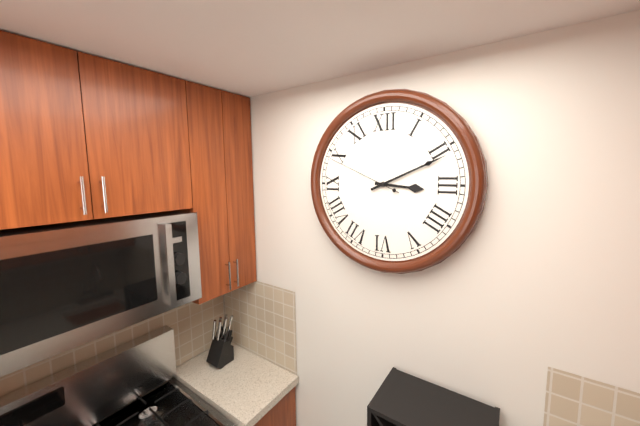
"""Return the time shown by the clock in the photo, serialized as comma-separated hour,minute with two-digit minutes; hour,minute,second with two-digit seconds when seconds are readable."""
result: 3,11,49
